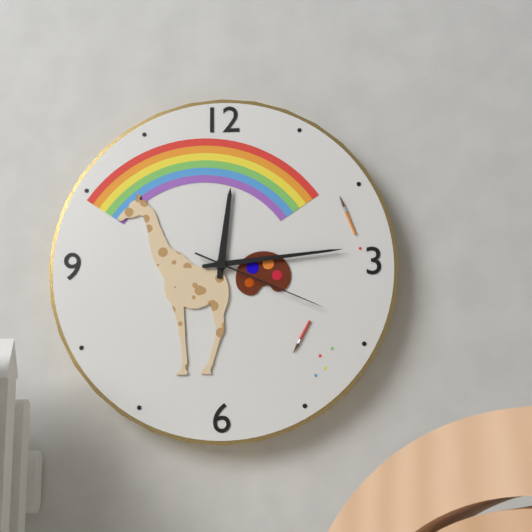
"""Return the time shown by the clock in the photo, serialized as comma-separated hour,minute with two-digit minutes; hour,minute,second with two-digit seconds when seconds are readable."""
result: 12,14,19
